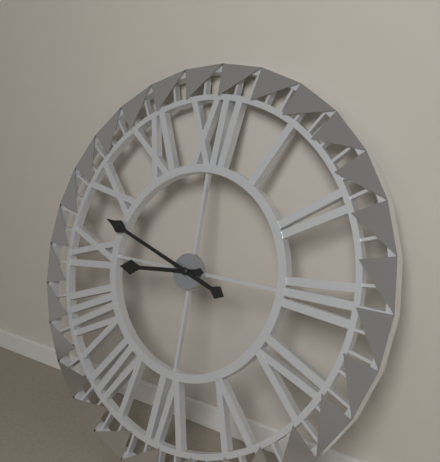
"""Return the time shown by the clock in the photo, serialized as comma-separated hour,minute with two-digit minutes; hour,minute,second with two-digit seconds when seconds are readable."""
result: 8,48
